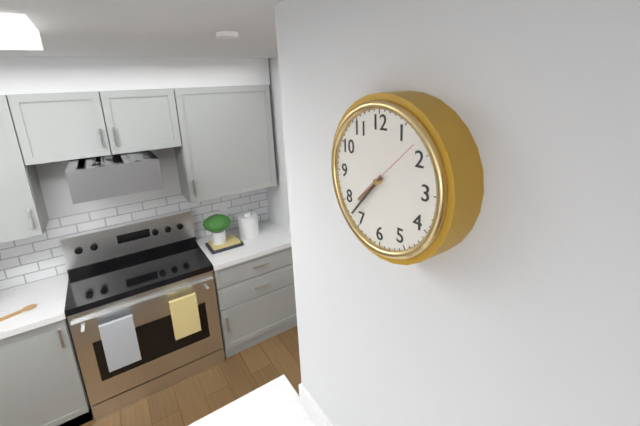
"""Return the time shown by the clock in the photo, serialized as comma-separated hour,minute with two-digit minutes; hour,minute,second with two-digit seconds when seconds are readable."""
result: 7,37,08
